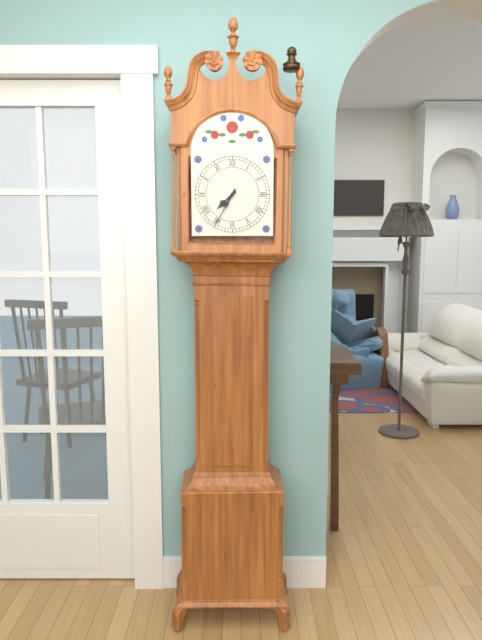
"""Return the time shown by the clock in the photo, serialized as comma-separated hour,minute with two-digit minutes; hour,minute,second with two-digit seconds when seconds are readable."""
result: 7,35
